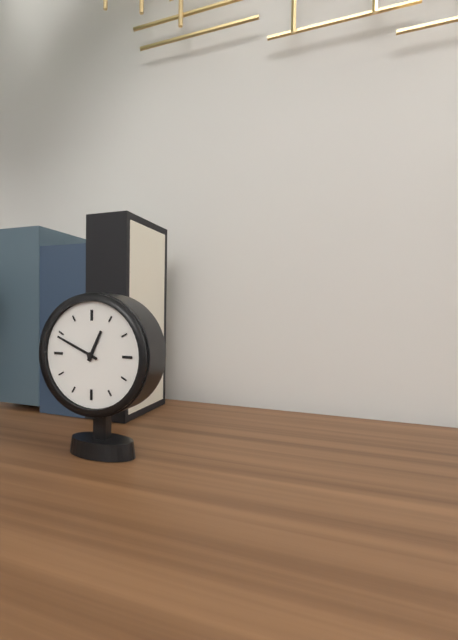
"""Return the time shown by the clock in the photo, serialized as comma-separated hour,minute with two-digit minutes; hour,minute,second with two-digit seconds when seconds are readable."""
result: 12,49
